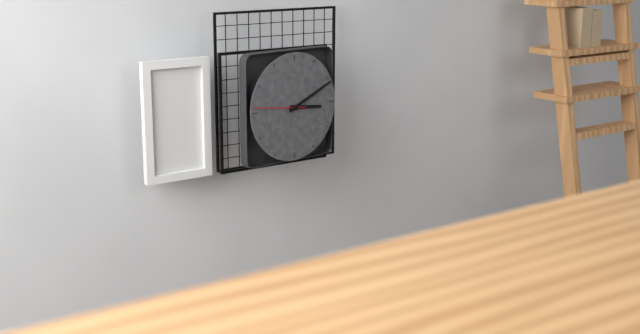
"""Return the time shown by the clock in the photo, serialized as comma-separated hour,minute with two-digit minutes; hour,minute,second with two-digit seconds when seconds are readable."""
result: 3,11
